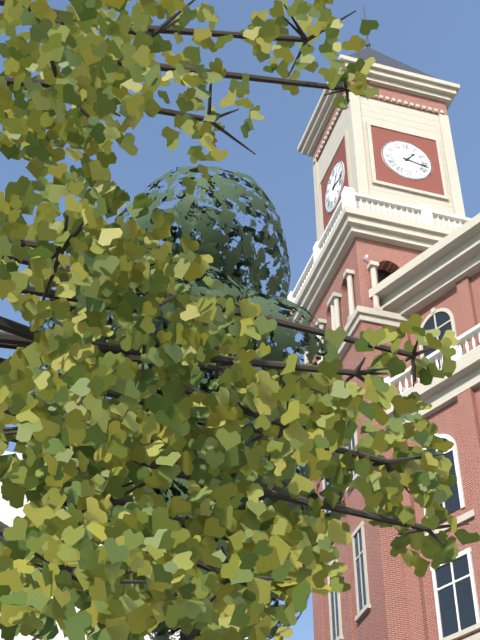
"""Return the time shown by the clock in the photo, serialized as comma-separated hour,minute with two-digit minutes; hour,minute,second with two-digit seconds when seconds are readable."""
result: 1,17
